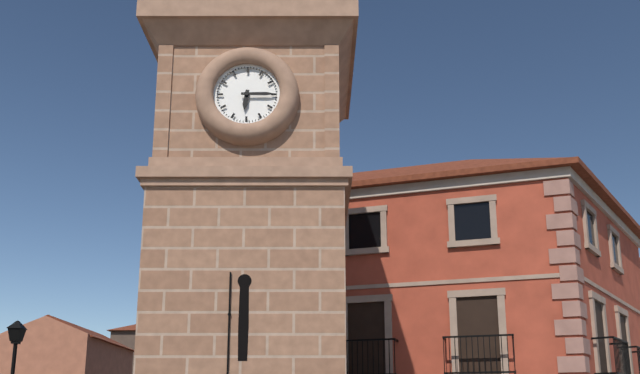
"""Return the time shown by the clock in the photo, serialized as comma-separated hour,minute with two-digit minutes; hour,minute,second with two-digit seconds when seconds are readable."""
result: 6,15
